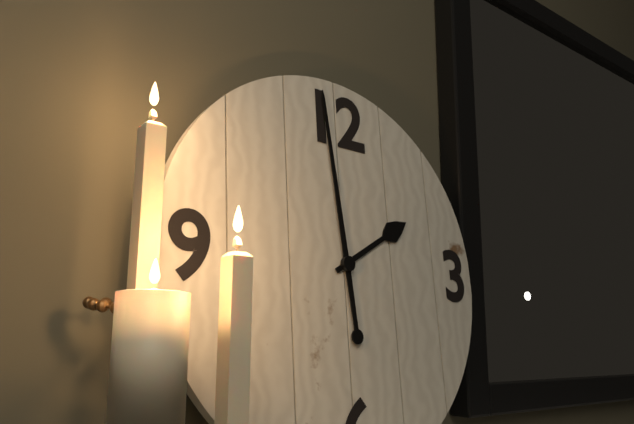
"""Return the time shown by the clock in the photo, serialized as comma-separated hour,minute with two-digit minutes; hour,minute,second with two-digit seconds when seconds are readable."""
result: 1,59
